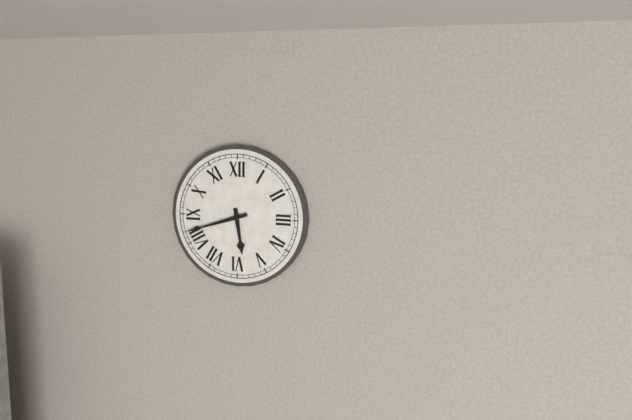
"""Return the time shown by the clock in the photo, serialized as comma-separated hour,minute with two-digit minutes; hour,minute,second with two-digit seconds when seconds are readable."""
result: 5,42
